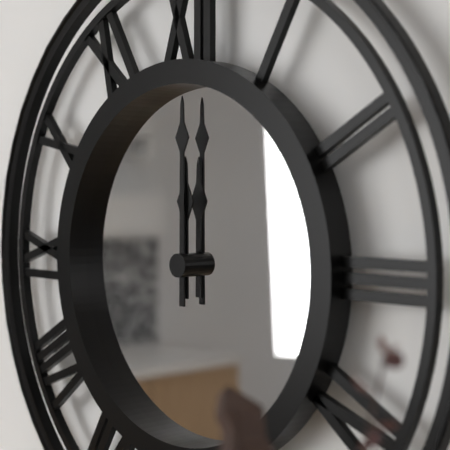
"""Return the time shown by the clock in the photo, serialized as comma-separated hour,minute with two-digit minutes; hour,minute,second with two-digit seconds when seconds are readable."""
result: 12,00
